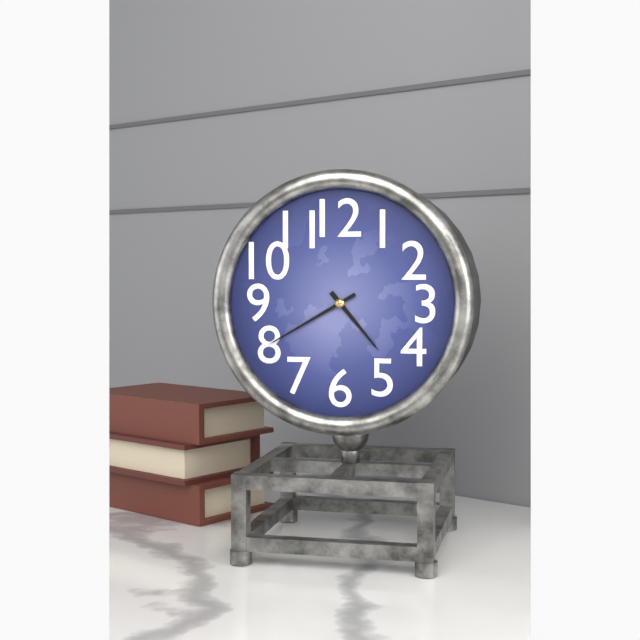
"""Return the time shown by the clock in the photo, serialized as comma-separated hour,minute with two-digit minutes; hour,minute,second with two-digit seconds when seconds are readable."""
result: 4,40
